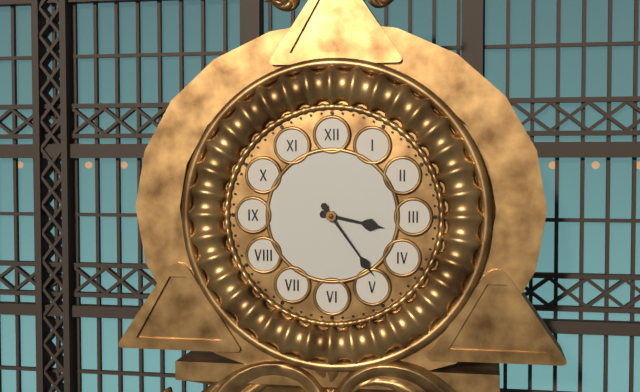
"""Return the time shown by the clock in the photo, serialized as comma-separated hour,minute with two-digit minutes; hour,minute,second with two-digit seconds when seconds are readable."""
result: 3,24
